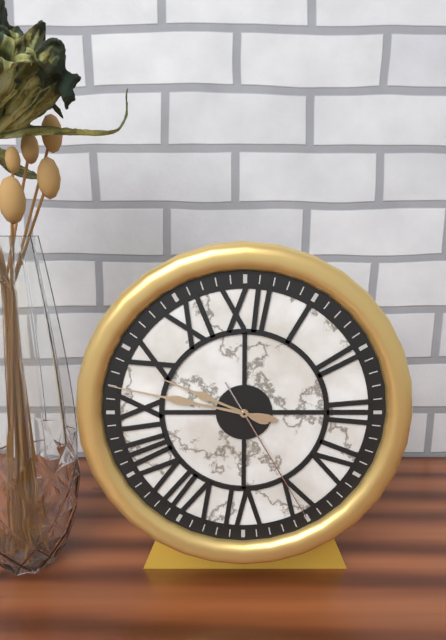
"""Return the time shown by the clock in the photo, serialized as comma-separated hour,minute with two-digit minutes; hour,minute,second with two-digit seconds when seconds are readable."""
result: 9,47,25
